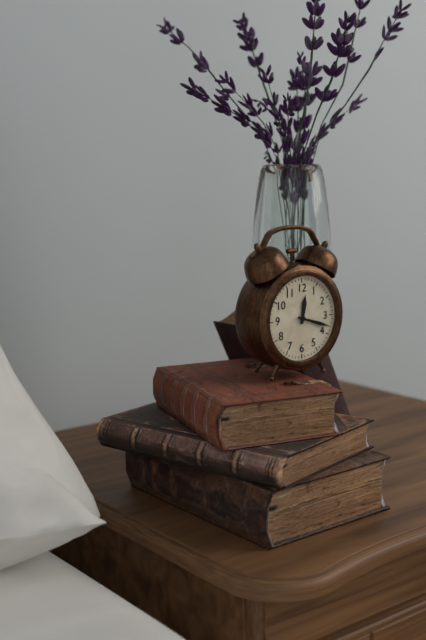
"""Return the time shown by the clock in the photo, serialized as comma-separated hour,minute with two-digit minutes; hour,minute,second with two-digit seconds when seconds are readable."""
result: 12,18
